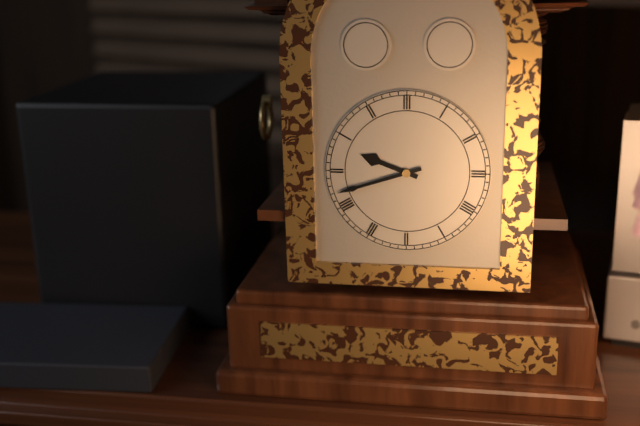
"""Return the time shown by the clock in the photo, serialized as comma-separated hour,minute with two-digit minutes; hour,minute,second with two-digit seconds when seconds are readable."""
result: 9,42
